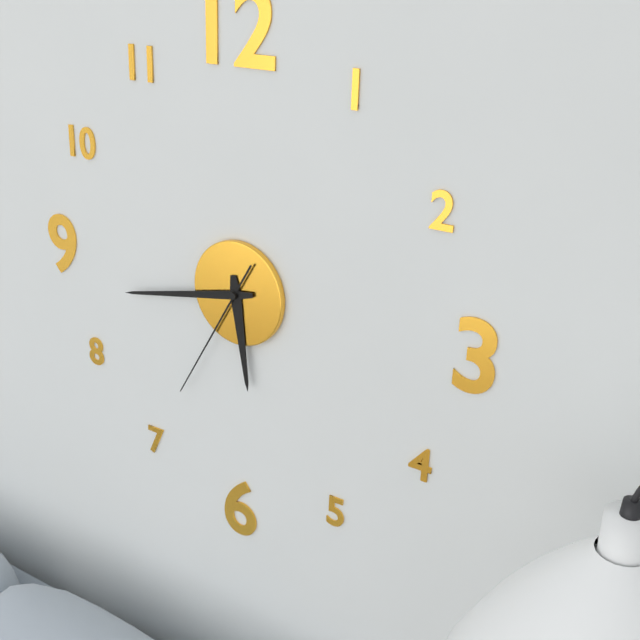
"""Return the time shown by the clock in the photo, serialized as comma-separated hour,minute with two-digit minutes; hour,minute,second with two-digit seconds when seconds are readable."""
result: 5,43,35
